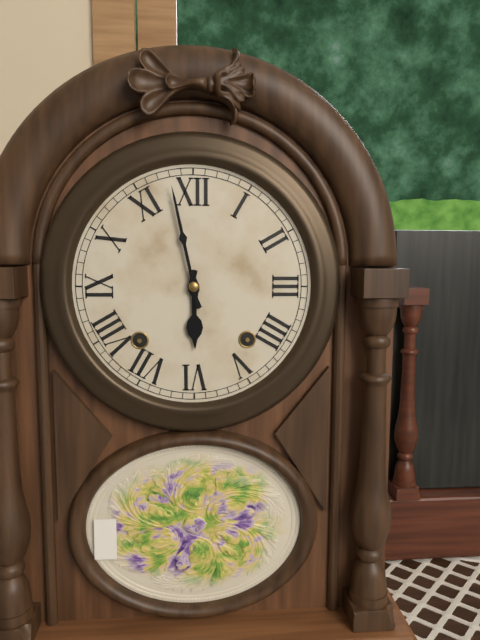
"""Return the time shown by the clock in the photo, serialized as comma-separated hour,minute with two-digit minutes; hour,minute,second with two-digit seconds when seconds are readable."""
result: 5,58
